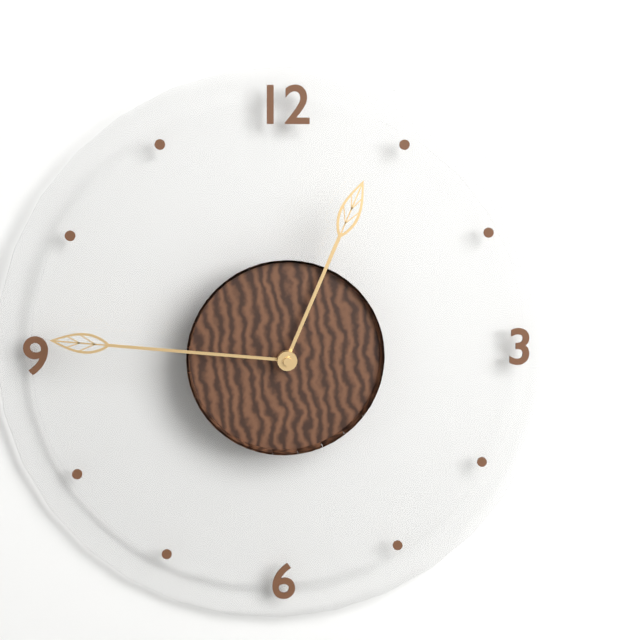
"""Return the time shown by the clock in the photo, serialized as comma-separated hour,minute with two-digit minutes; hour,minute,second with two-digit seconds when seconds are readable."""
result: 12,46
